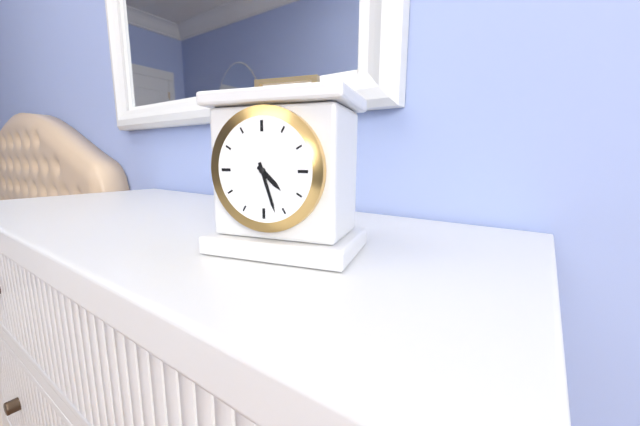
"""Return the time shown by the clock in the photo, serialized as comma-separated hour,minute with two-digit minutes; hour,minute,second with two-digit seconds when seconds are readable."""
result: 4,27
